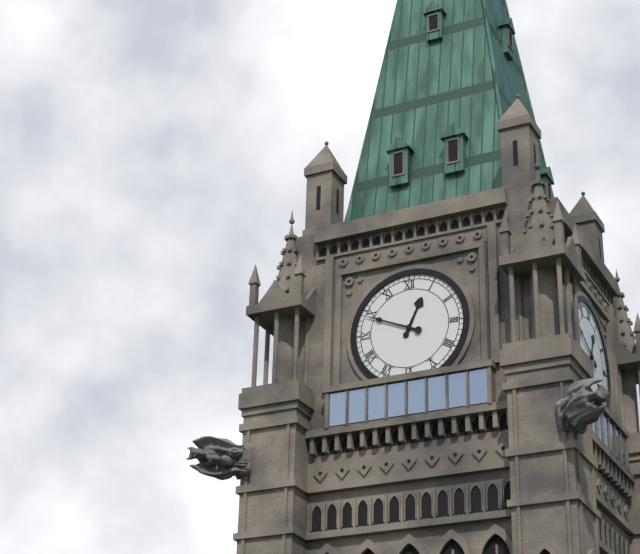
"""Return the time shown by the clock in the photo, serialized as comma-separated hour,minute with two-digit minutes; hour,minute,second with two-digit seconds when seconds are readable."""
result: 12,49
